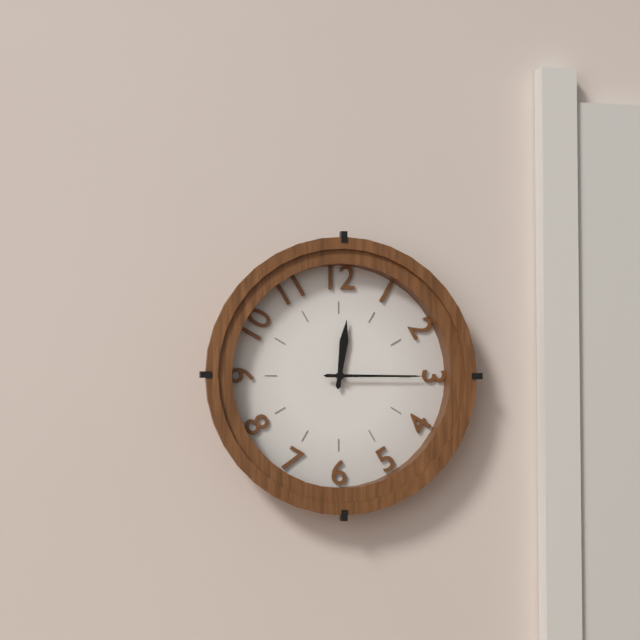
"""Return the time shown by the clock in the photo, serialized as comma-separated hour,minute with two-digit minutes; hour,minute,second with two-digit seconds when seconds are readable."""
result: 12,15
